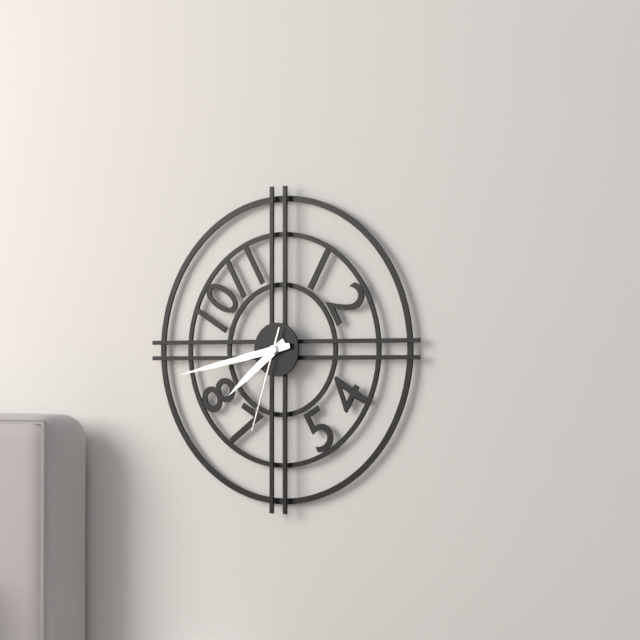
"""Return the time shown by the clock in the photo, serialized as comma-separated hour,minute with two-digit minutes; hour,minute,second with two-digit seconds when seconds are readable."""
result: 7,43,33
